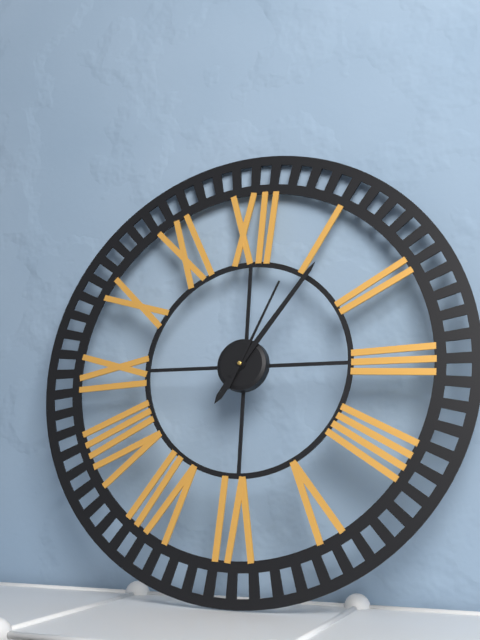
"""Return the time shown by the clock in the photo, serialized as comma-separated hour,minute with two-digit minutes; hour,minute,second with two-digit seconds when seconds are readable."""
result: 7,06,04
